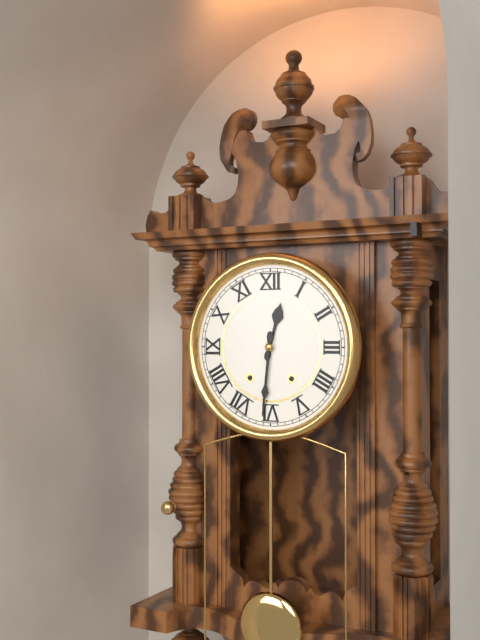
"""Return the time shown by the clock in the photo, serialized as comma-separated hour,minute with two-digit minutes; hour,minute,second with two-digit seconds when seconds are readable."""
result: 12,31
